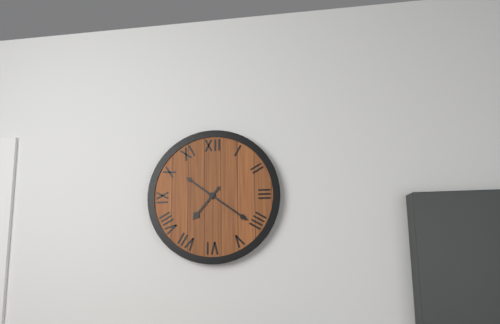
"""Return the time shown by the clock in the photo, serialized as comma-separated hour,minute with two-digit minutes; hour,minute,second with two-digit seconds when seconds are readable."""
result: 7,21
